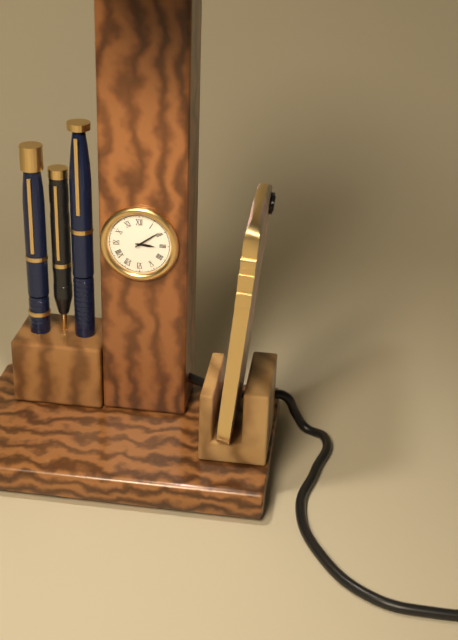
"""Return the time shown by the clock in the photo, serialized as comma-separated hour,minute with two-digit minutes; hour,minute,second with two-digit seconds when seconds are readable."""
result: 3,09
